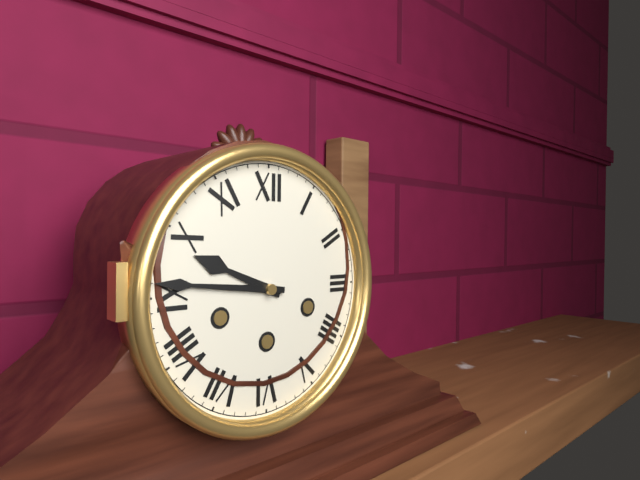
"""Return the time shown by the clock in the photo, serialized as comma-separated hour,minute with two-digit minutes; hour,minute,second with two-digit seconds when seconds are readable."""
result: 9,46
